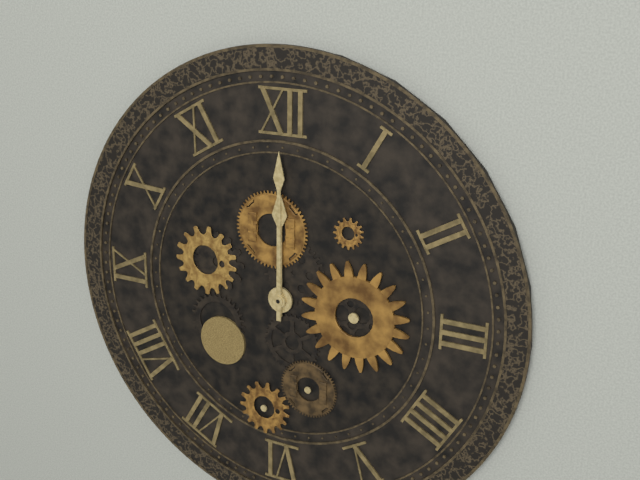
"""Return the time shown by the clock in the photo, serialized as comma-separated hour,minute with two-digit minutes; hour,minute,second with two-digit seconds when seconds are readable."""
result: 12,00
